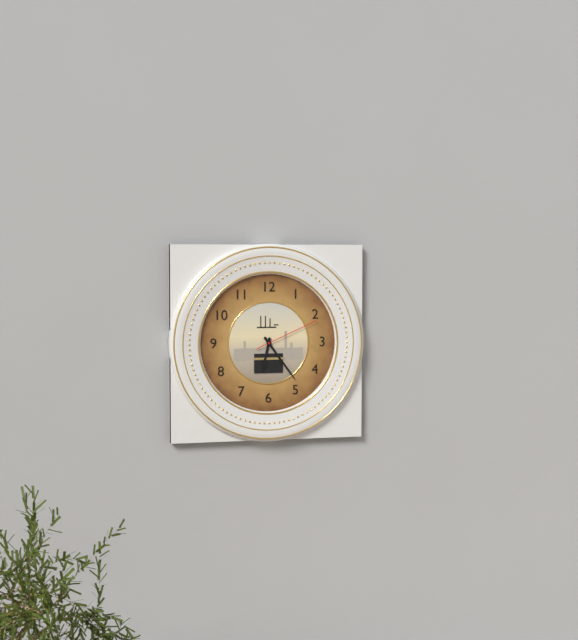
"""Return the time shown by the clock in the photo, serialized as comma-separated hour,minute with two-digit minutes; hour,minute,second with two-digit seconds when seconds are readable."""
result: 6,24,11
